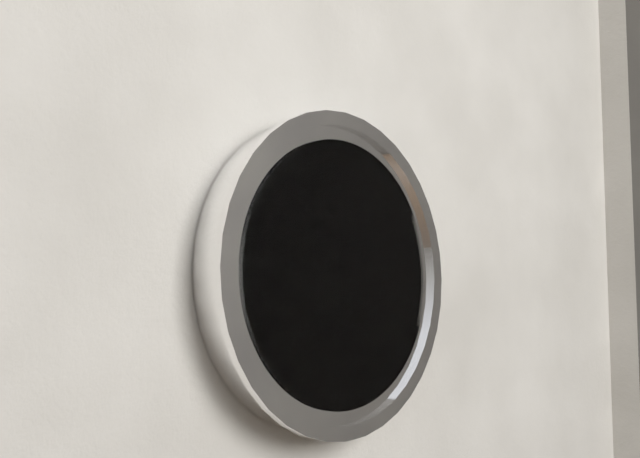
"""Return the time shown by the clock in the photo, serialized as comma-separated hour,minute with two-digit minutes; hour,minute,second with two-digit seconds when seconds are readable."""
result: 8,00
